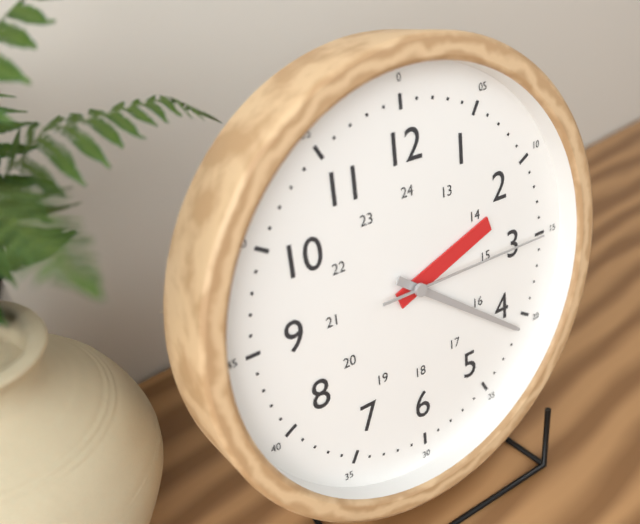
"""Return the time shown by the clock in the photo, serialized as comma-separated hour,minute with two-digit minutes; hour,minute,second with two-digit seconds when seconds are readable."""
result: 2,21,15
